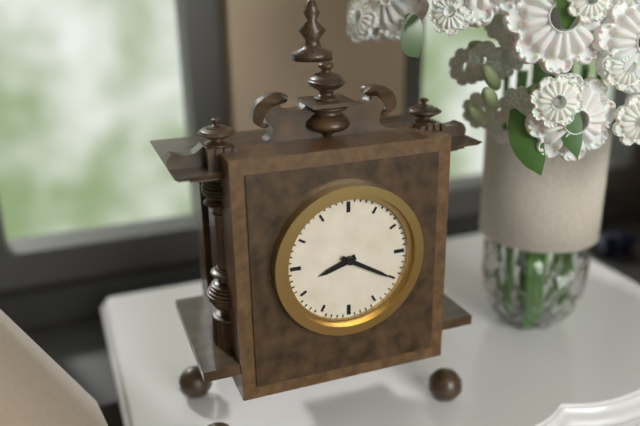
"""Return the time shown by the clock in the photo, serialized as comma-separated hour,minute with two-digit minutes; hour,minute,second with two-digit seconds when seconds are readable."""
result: 8,20
